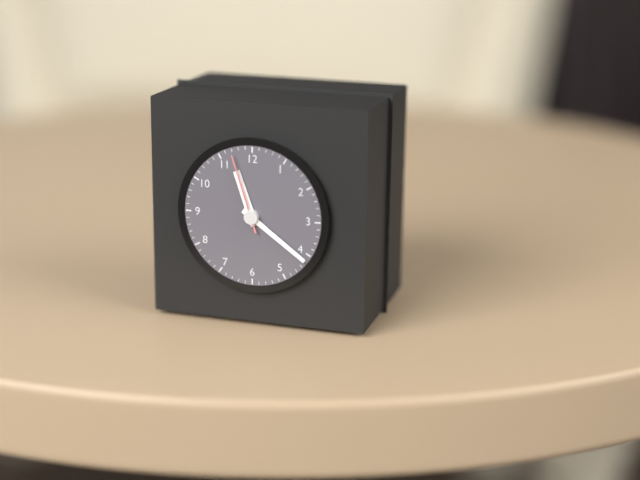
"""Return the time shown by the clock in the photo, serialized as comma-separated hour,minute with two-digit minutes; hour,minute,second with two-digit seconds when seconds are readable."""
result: 11,21,57
